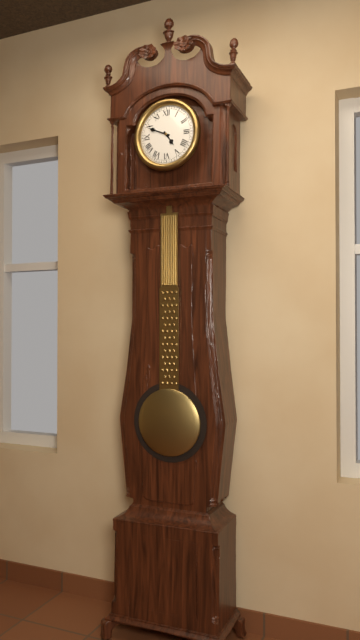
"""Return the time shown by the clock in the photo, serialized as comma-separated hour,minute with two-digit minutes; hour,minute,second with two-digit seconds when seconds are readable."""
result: 4,49
